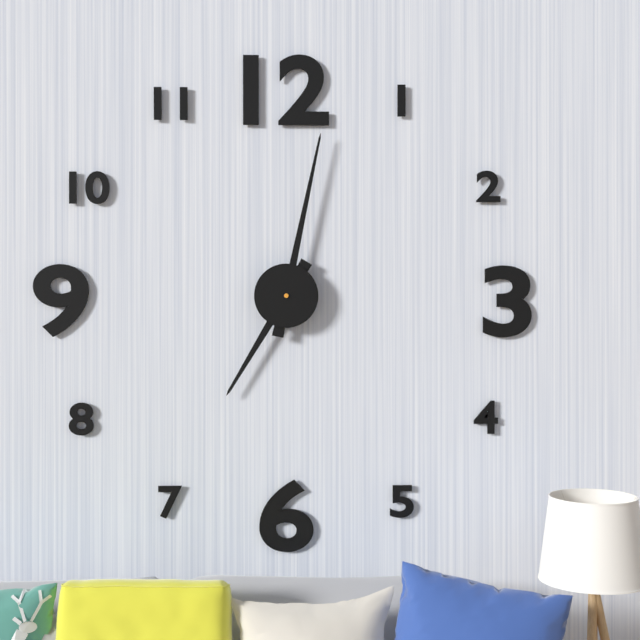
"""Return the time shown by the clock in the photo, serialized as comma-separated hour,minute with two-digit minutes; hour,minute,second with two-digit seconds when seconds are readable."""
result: 7,02
